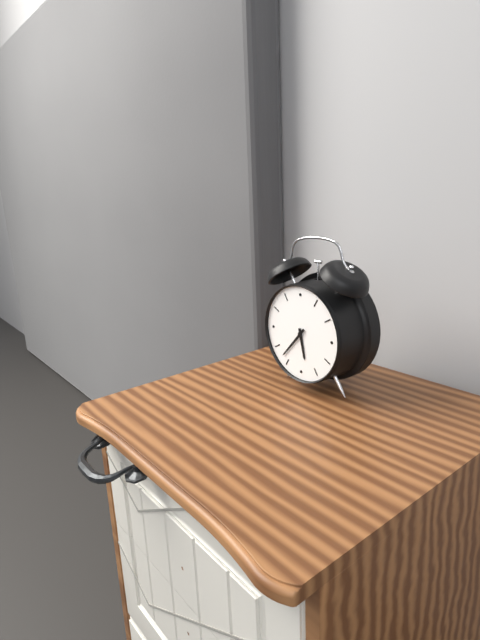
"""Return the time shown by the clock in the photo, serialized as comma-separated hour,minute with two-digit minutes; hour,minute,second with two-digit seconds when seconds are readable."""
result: 5,37
